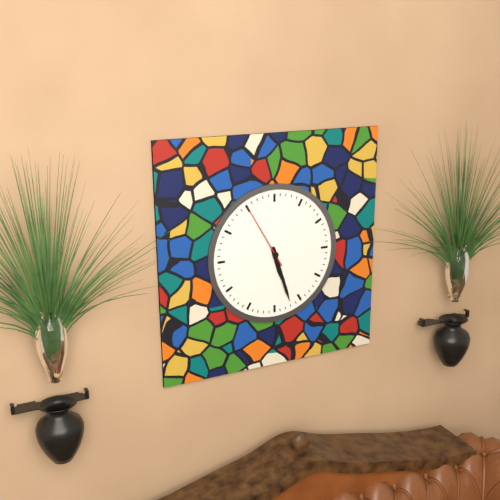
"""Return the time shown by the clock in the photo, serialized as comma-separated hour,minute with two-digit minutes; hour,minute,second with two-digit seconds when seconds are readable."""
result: 5,27,55
